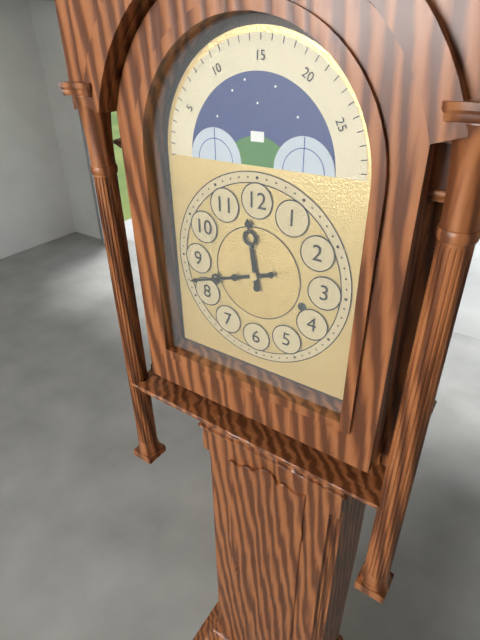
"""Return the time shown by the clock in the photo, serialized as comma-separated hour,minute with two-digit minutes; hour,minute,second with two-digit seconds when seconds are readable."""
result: 11,42
